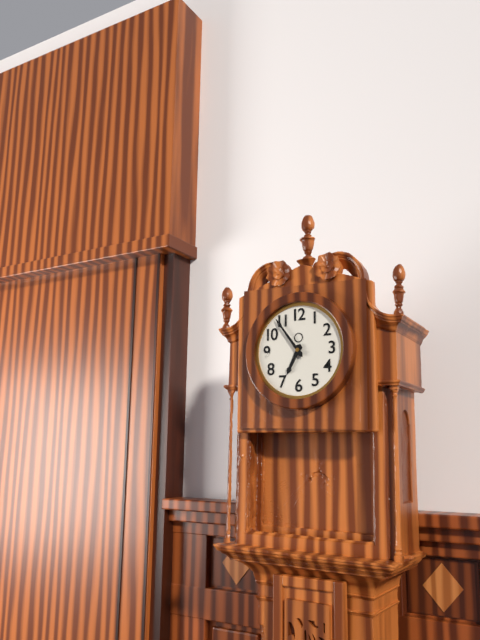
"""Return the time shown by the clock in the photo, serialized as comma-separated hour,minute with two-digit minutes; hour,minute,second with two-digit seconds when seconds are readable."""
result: 6,54
